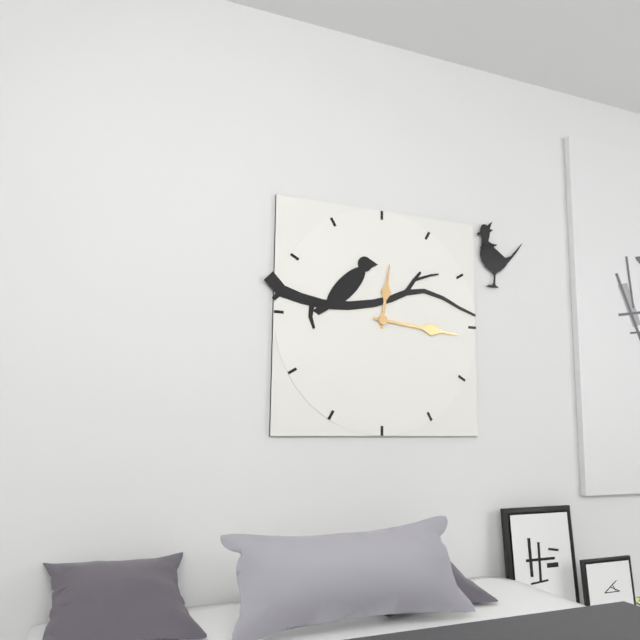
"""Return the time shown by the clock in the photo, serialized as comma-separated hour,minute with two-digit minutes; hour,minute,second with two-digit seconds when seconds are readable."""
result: 12,16
